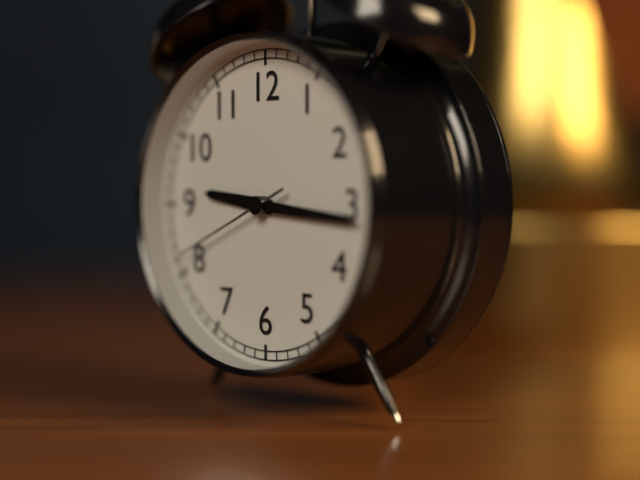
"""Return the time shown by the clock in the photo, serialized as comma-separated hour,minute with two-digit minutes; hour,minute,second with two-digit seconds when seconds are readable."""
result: 9,16,41
